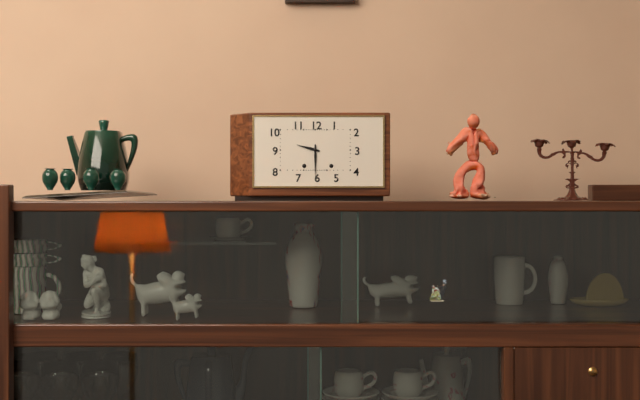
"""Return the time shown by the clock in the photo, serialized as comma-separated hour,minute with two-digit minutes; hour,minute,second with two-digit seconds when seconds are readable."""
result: 9,30
